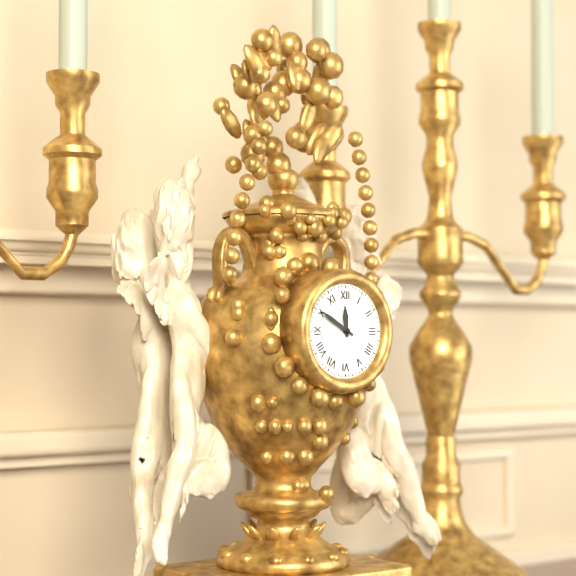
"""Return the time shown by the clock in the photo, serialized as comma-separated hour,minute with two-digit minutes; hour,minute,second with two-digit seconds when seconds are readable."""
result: 11,50
